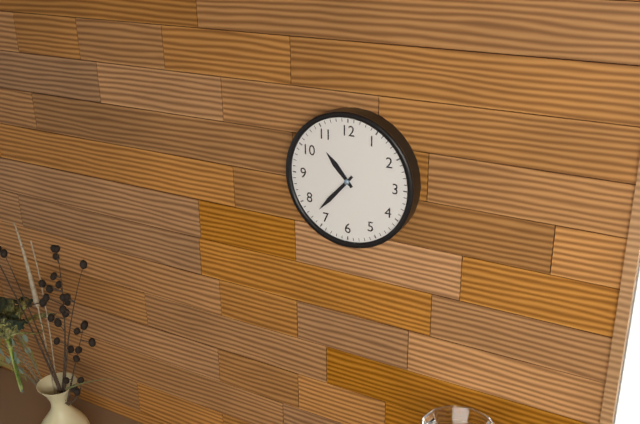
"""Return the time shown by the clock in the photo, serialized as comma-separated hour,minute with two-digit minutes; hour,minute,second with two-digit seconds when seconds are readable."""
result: 10,37
